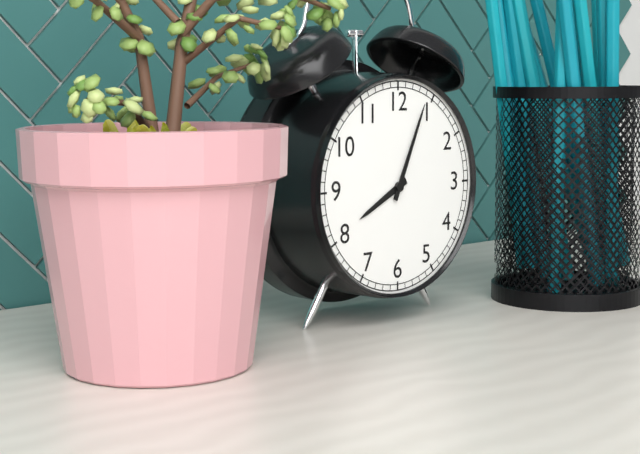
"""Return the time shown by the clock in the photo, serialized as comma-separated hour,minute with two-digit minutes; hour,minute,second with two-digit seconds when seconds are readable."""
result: 8,04
